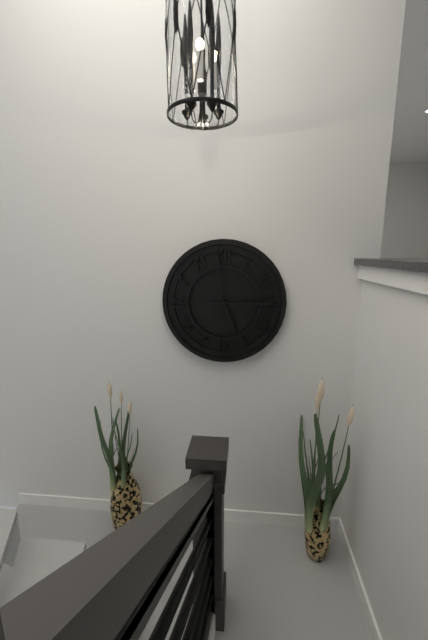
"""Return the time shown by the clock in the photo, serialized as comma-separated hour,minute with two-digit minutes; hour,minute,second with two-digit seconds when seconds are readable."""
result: 5,15,59
